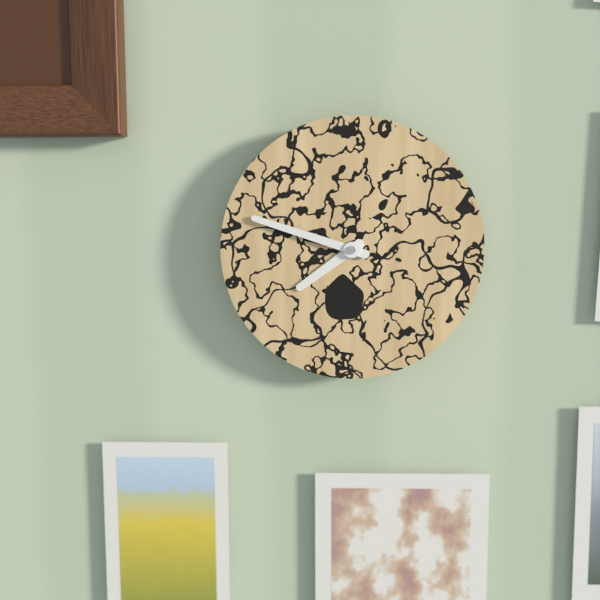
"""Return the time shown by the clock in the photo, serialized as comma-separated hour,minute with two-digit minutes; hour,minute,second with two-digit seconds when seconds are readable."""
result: 7,48
